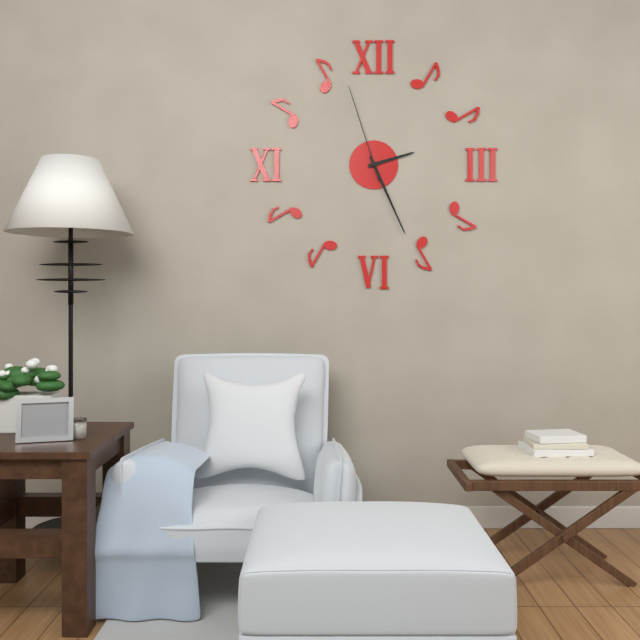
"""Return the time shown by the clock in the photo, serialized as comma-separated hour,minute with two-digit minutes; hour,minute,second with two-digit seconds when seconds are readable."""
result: 2,26,57
